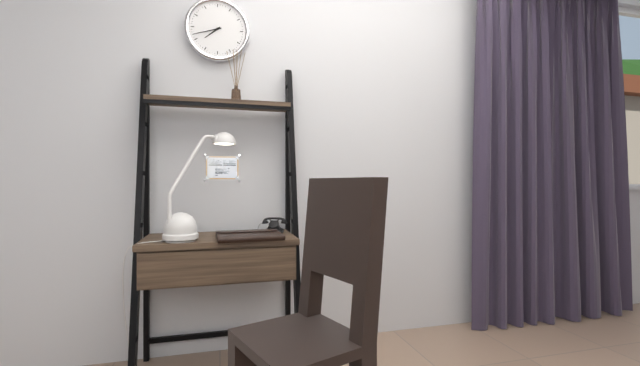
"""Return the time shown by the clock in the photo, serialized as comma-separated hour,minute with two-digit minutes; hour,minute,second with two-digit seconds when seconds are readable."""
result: 7,42
